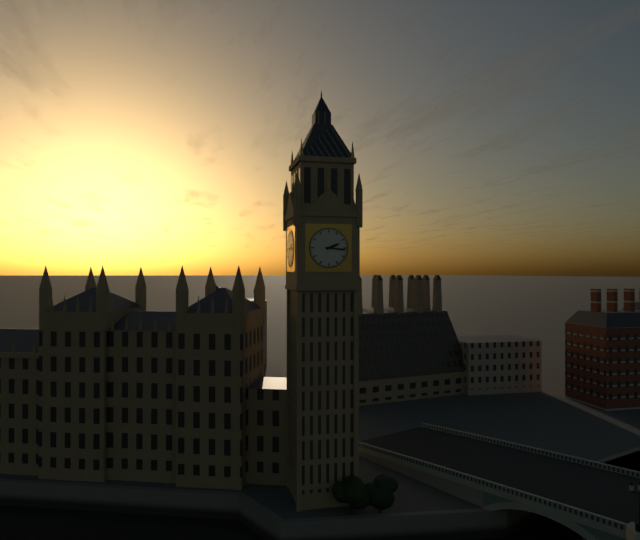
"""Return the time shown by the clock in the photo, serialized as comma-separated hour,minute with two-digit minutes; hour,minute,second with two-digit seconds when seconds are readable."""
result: 2,16
